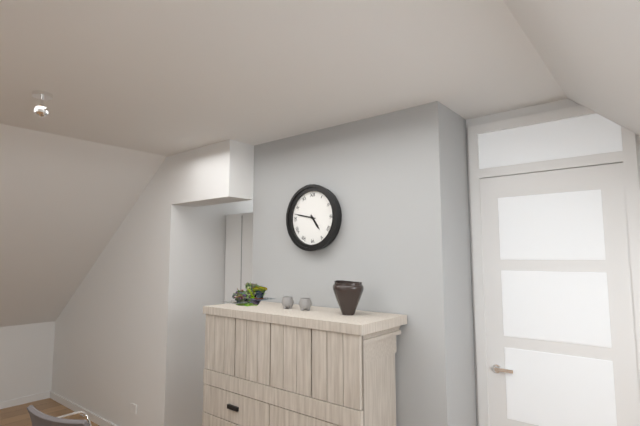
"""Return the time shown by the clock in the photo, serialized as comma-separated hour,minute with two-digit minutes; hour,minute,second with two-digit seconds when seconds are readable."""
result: 4,47
